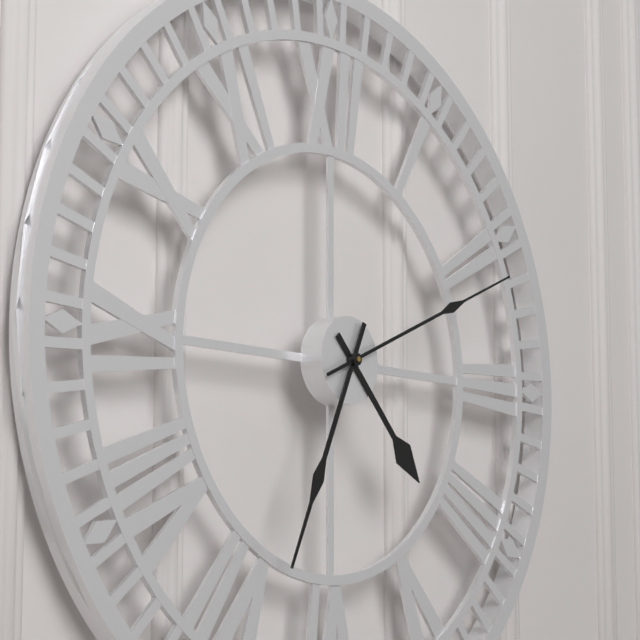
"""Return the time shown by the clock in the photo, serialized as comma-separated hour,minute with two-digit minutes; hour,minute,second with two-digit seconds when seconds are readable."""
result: 4,34,11
